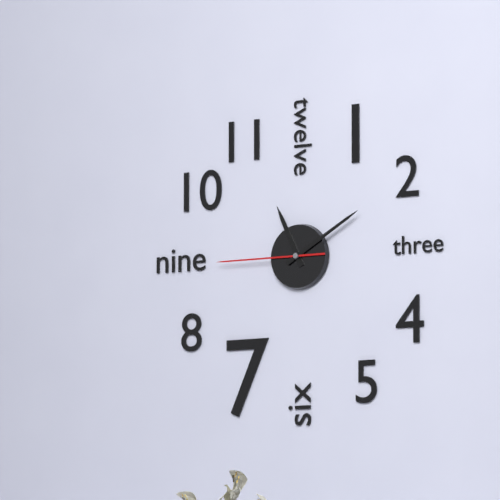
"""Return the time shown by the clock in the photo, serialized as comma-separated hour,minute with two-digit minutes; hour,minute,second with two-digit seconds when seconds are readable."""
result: 11,10,45
